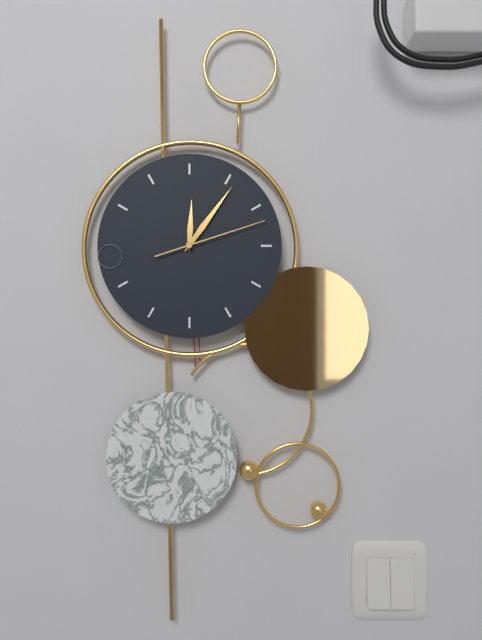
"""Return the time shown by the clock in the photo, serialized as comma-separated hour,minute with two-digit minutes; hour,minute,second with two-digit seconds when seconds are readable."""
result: 12,06,12
